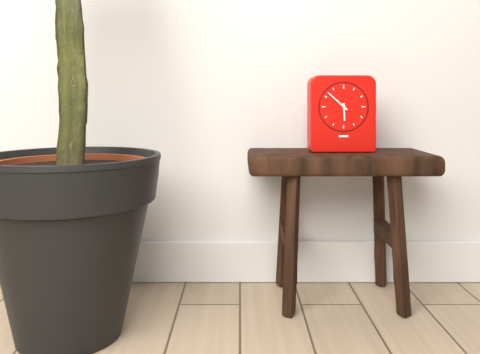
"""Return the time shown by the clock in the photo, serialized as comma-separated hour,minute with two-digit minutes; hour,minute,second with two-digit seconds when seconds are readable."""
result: 5,52
